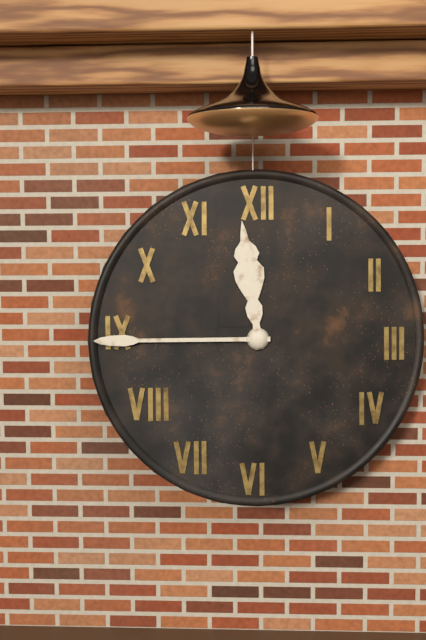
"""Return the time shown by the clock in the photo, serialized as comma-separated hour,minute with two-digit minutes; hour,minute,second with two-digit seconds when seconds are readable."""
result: 11,45
